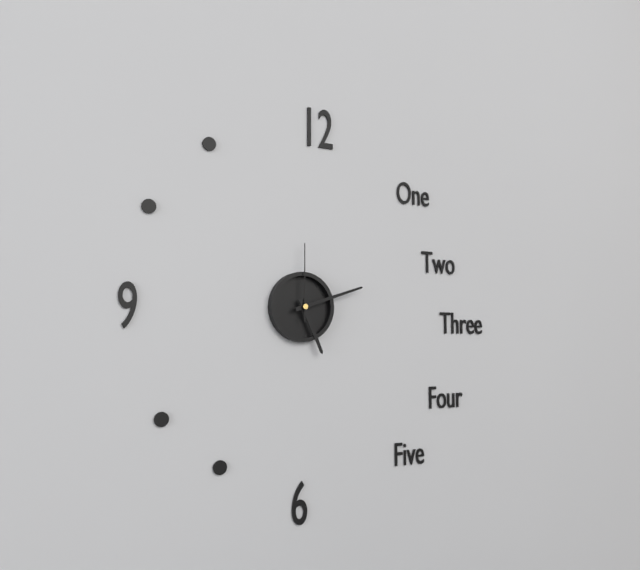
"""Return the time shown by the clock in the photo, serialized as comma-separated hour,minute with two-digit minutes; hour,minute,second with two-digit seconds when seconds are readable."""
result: 5,12,00
